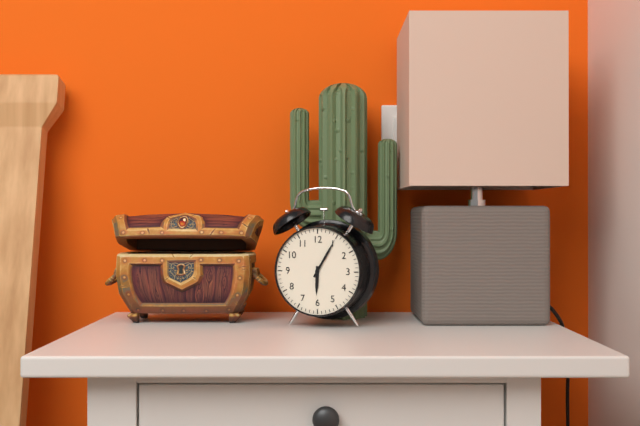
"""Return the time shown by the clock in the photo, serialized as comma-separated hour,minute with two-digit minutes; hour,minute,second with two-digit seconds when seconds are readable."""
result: 6,05
